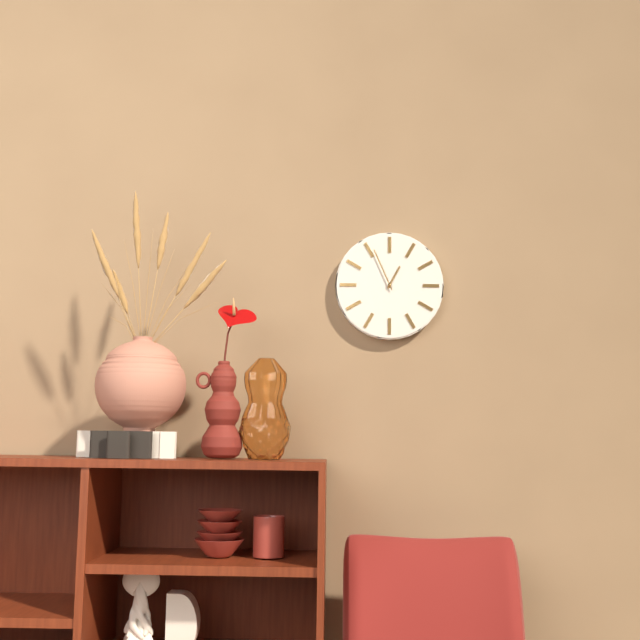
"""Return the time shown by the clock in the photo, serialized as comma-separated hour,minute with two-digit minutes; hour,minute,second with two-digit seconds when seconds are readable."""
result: 12,56
